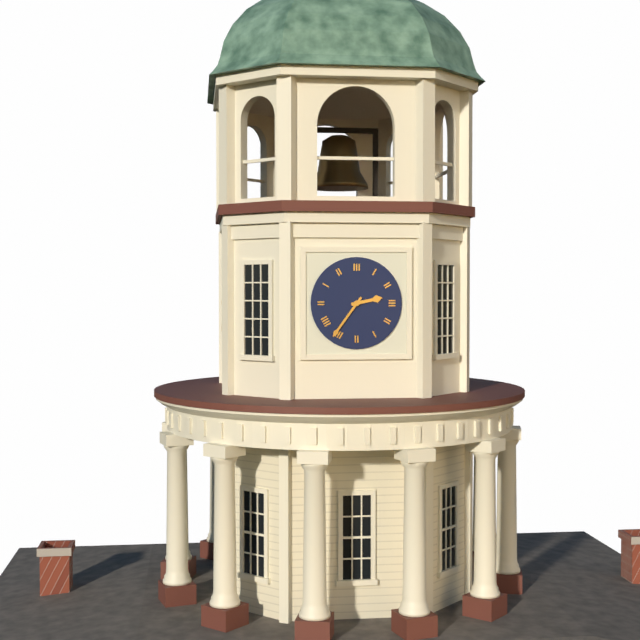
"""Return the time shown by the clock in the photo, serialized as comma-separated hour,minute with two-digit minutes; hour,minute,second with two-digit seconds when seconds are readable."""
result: 2,36
